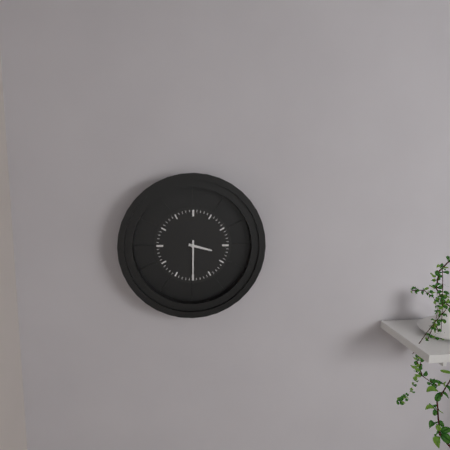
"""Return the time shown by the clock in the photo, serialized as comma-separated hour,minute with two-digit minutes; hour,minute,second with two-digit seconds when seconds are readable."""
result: 3,30
